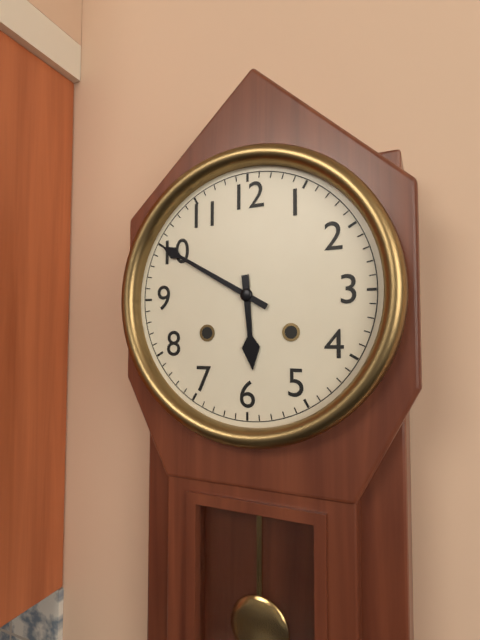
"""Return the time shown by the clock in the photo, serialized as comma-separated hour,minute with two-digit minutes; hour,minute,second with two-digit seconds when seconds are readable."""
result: 5,50
